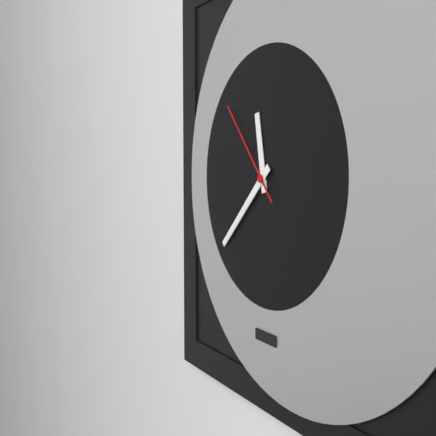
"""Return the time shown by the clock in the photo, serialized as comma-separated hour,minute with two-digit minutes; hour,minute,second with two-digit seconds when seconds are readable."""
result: 11,38,53
